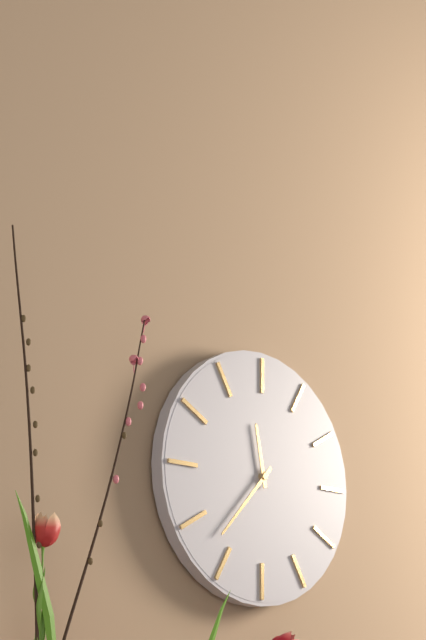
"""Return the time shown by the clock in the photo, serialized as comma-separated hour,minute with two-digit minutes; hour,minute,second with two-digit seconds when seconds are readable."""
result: 11,37
